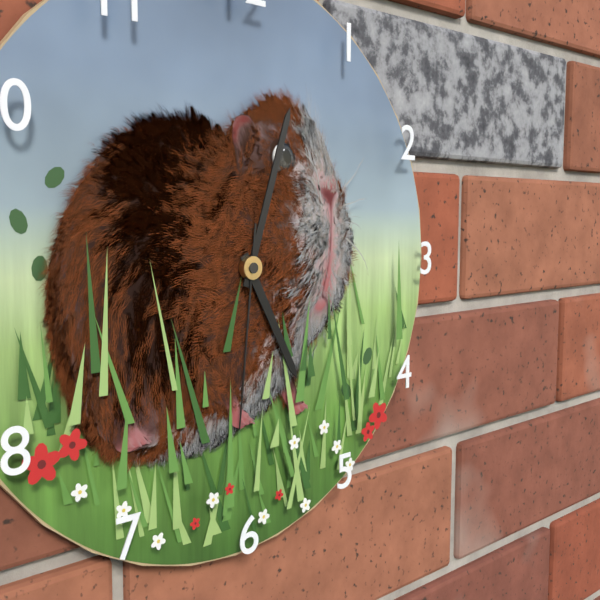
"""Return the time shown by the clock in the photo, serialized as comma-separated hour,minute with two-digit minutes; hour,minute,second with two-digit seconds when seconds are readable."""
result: 5,03,31
